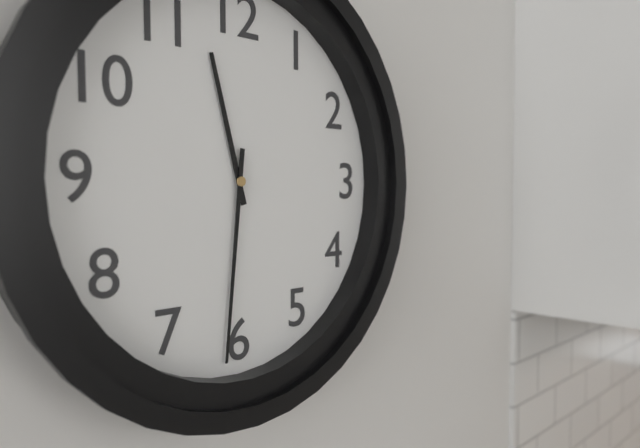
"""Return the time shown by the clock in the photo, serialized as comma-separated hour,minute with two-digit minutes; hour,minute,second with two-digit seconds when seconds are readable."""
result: 11,31
